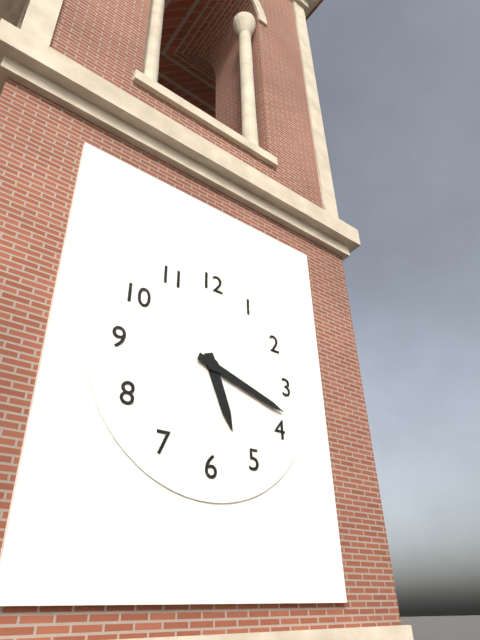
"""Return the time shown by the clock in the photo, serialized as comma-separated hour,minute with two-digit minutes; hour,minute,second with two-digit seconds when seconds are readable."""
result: 5,18
